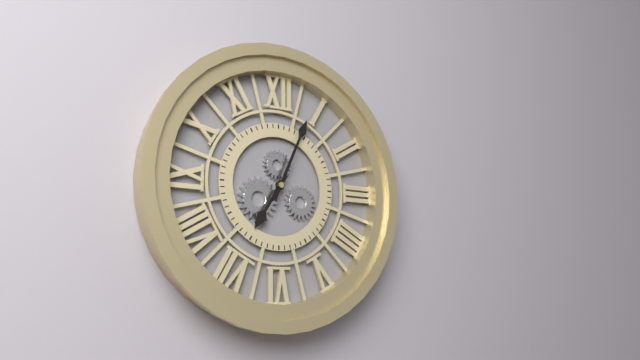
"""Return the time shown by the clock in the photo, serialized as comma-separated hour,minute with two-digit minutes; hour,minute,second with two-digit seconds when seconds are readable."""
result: 7,04
